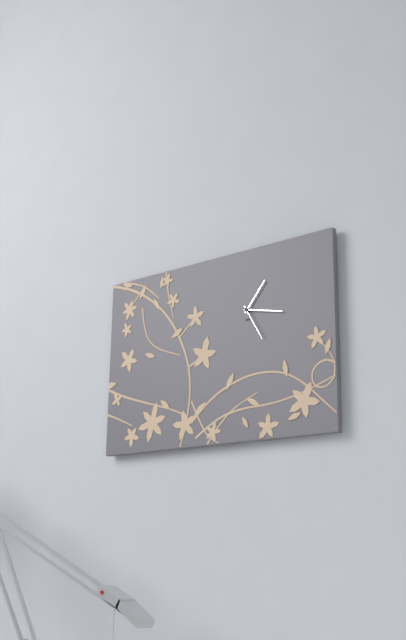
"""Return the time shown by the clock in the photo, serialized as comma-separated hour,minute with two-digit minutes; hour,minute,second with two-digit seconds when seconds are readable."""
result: 1,17
